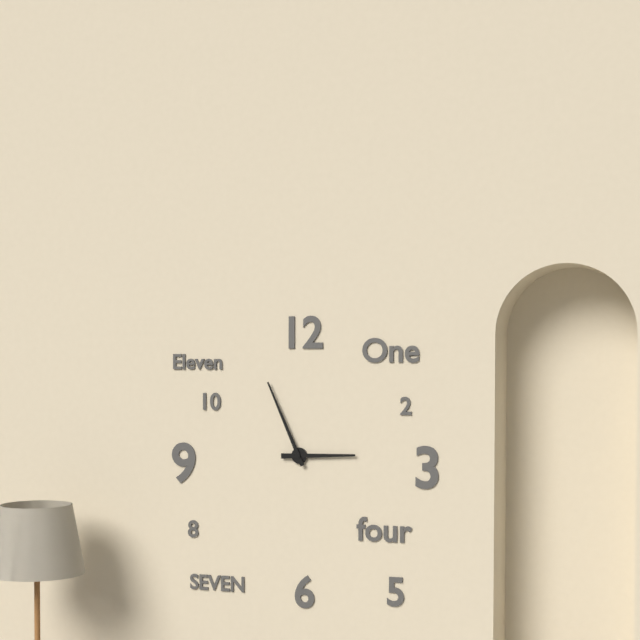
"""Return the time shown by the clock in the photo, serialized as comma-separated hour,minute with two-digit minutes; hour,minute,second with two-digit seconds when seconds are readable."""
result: 2,56
